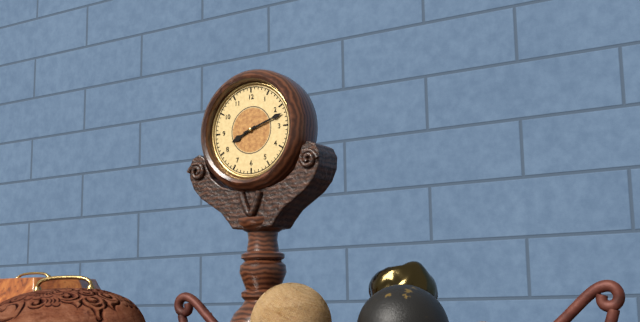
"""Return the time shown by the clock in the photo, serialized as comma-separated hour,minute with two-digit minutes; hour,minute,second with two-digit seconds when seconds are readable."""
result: 8,12
